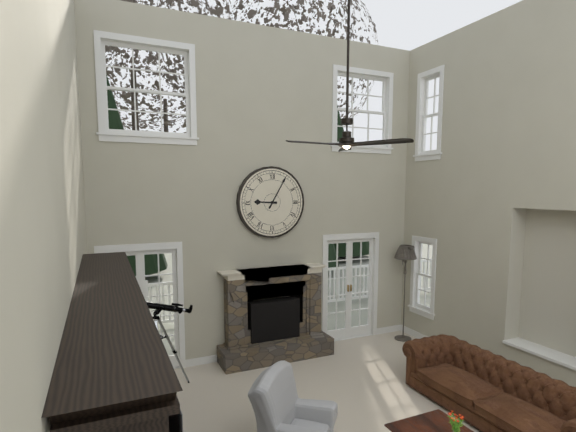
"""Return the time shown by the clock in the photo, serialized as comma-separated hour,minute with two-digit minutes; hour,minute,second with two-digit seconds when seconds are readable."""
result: 9,05
